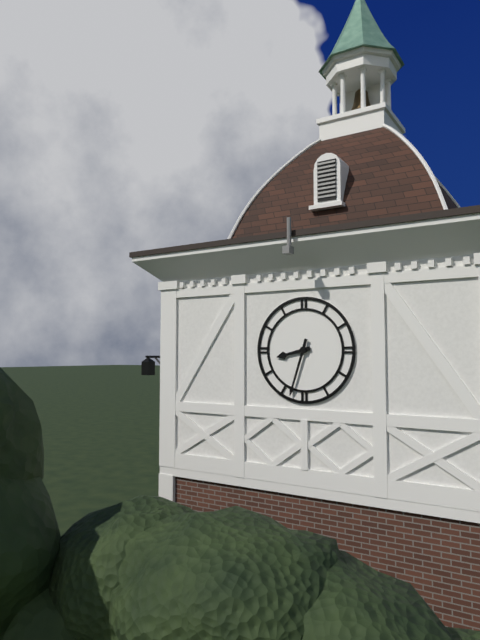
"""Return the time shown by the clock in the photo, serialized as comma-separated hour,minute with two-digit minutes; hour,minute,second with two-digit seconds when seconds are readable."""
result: 8,33
